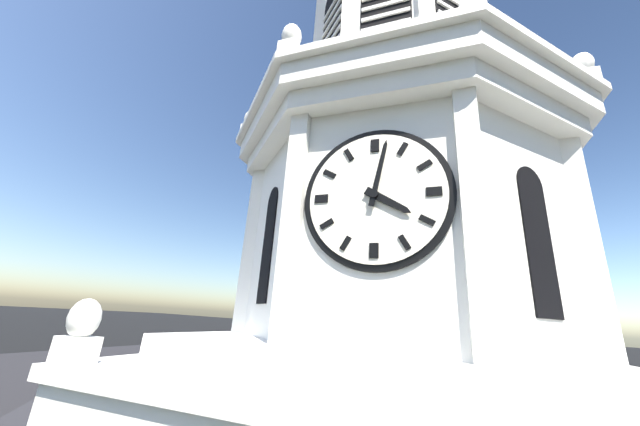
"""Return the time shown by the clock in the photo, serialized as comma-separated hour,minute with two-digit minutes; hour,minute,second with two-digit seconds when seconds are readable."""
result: 4,02
